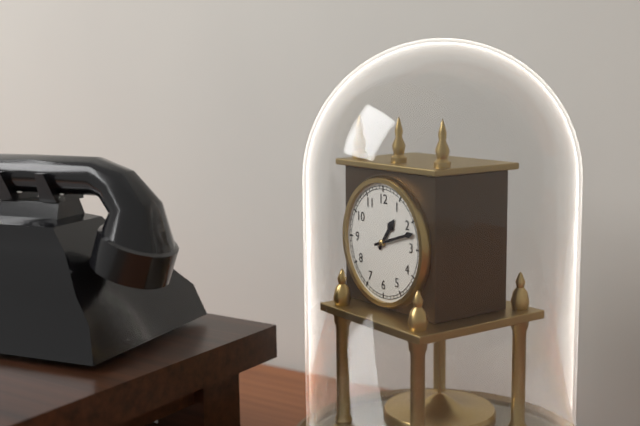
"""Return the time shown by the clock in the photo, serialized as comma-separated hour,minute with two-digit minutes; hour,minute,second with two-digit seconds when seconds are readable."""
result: 1,12
